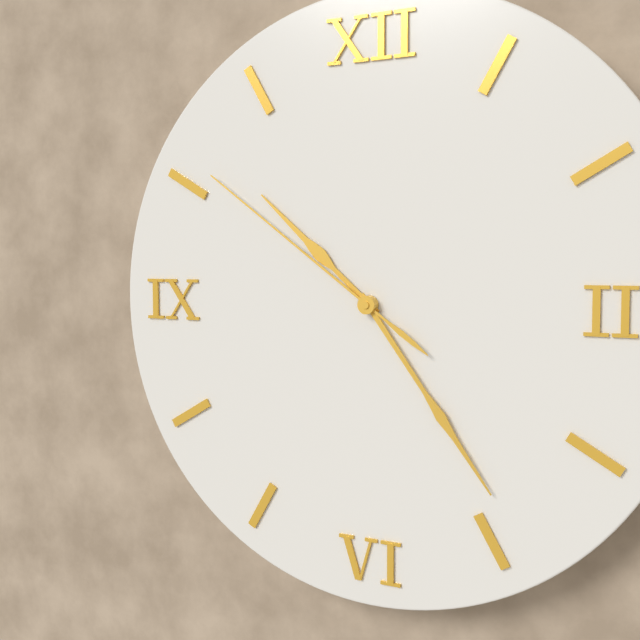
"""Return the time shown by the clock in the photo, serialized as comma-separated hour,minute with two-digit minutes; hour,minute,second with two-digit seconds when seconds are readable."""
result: 10,24,51
